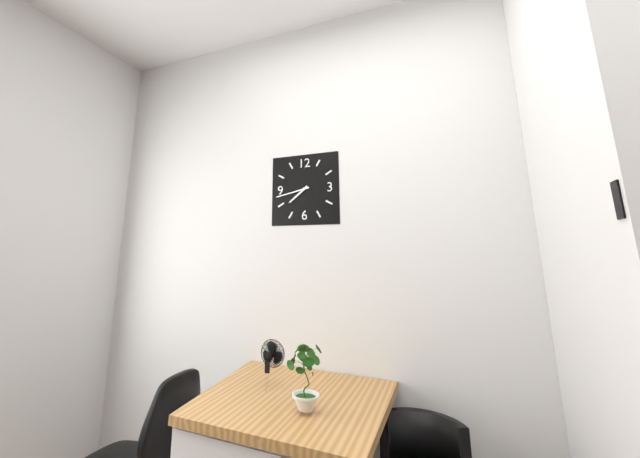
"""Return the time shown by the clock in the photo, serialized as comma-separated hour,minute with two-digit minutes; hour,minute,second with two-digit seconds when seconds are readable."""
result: 7,43
